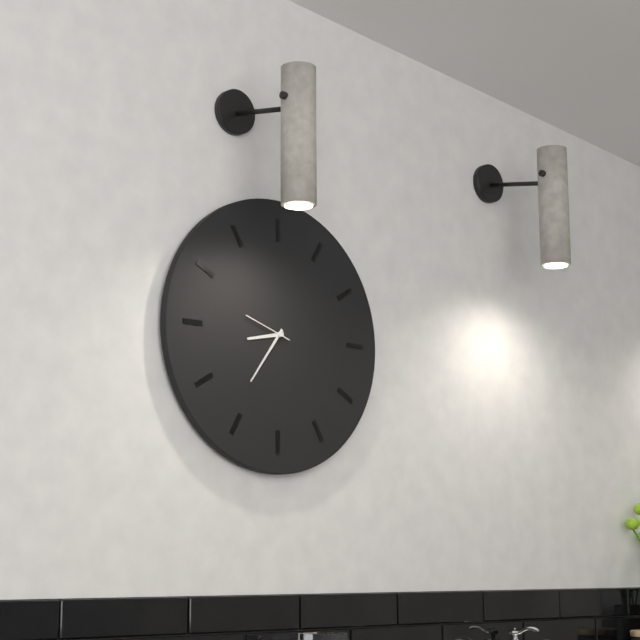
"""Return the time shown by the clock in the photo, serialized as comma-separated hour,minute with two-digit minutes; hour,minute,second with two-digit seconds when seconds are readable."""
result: 8,36
